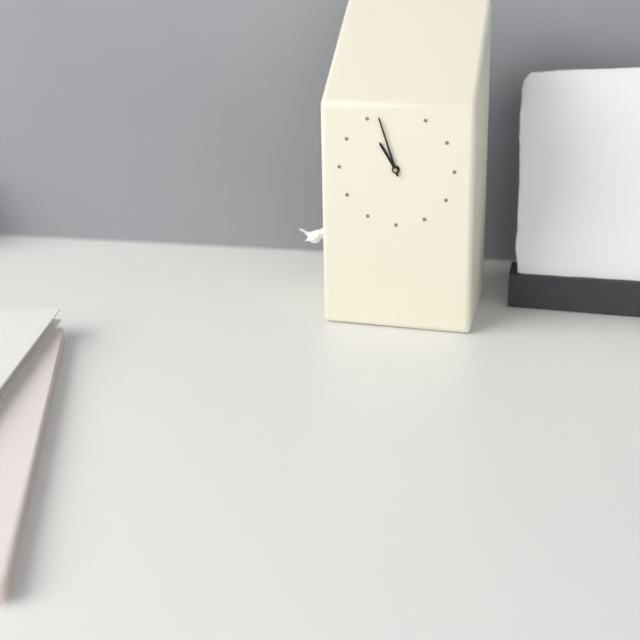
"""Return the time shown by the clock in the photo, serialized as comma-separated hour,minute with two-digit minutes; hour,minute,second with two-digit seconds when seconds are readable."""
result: 10,57
